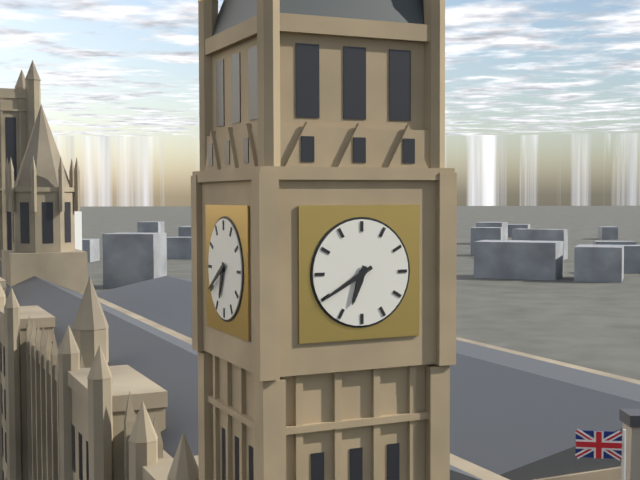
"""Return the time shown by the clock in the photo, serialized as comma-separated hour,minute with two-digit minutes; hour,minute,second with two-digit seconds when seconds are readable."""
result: 6,40
